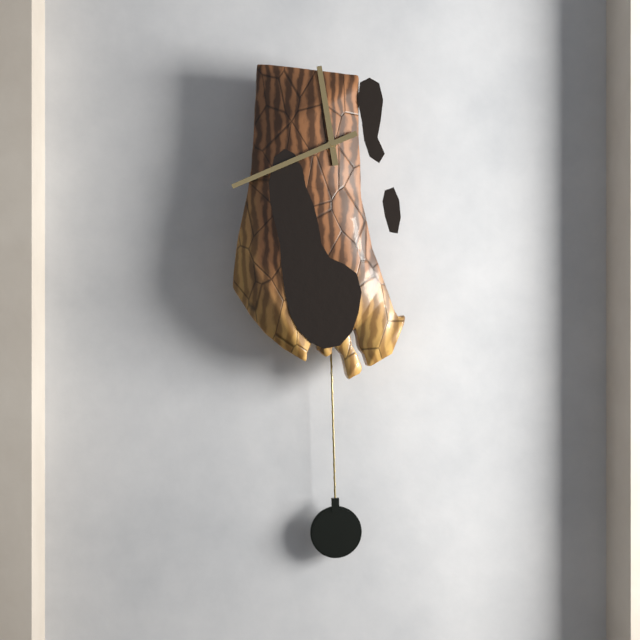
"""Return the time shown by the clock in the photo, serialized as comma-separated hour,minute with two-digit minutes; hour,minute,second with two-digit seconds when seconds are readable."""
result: 11,41
